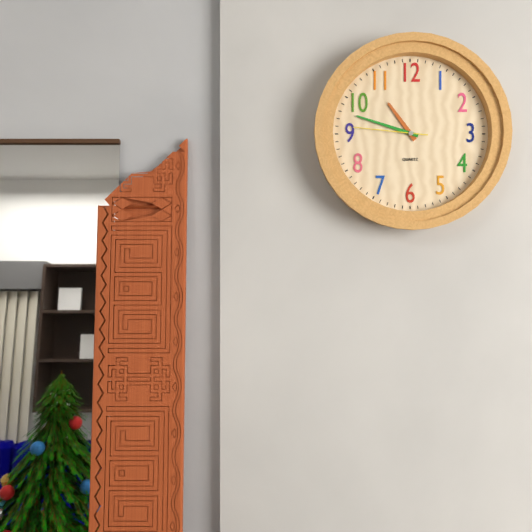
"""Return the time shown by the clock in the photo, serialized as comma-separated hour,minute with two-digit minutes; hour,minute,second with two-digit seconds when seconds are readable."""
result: 10,48,46
